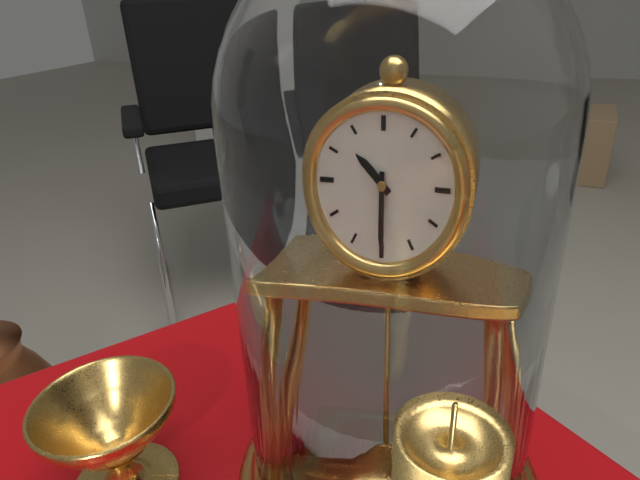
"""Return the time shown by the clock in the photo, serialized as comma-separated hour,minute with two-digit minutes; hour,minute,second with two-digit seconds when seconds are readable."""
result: 10,30
